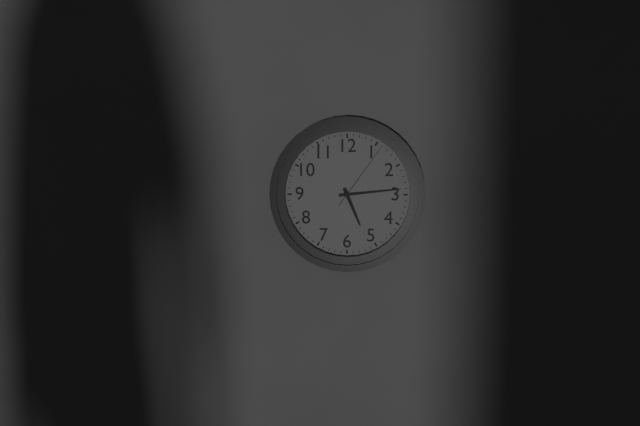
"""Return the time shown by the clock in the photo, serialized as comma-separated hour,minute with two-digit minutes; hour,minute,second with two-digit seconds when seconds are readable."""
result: 5,14,06
